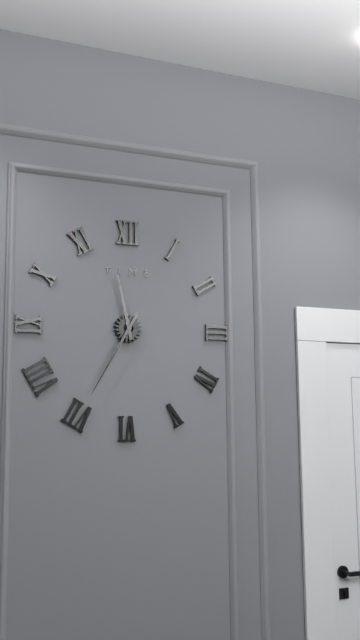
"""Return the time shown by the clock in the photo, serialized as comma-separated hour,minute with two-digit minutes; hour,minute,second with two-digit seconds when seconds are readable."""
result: 11,35
